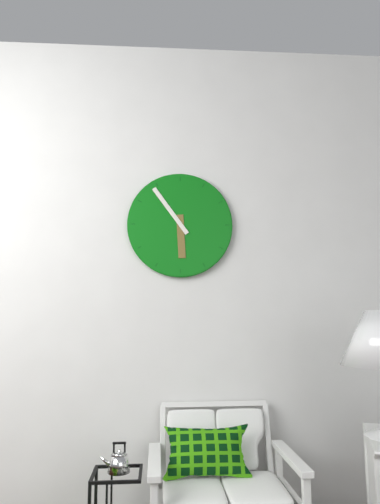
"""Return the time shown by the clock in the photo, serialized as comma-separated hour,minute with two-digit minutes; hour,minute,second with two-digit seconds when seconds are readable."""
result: 5,54
